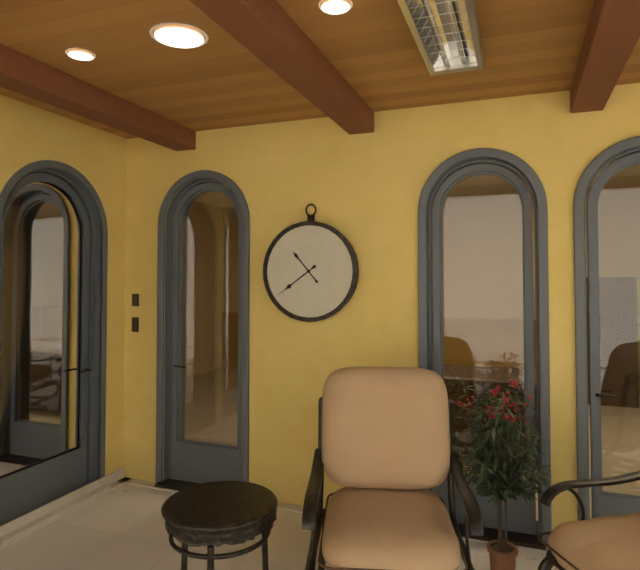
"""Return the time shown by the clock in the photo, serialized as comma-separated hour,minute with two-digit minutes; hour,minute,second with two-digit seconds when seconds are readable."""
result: 10,39
